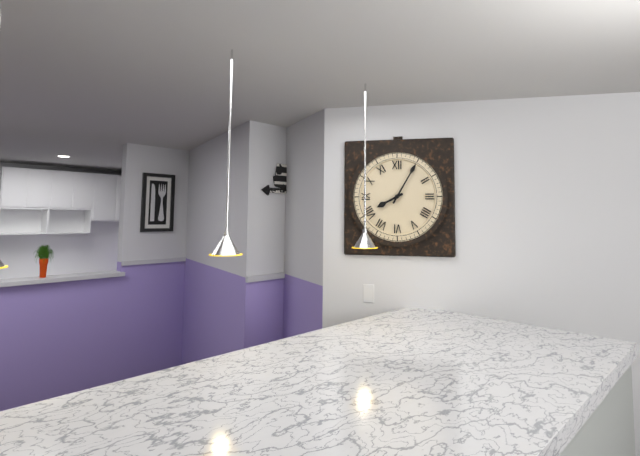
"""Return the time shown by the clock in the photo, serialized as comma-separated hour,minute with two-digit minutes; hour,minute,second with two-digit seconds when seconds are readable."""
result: 8,05
